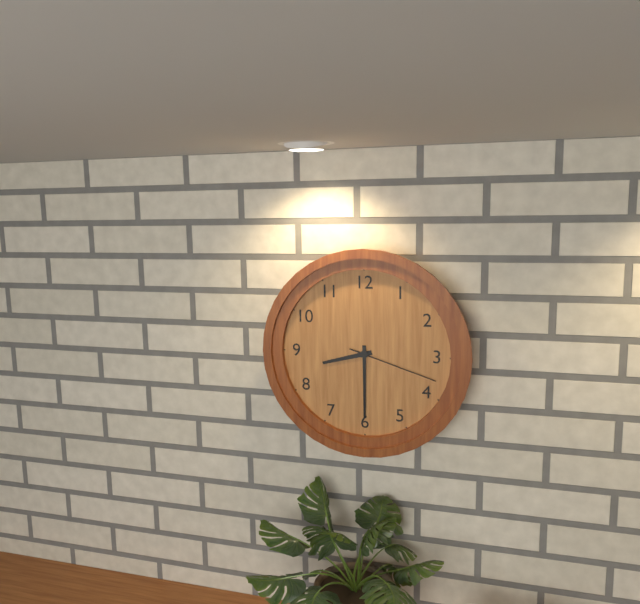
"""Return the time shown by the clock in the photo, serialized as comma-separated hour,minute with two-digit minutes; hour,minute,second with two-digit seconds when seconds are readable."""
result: 8,30,18
